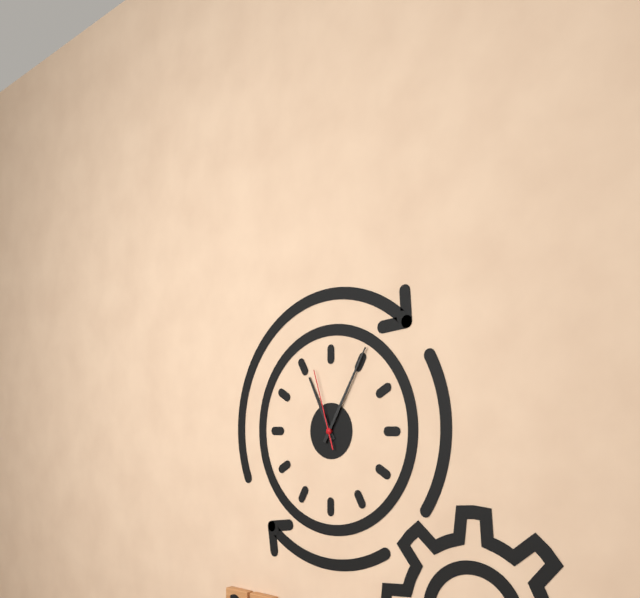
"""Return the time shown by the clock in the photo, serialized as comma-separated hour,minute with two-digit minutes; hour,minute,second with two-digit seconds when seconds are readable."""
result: 11,05,57
